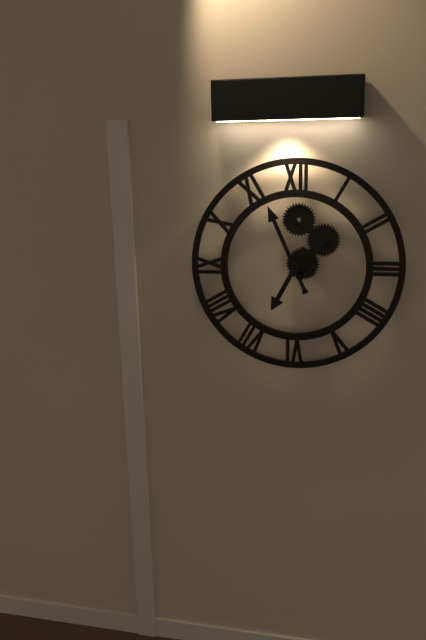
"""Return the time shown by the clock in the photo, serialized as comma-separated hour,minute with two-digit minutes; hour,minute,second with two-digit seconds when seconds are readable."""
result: 6,56
